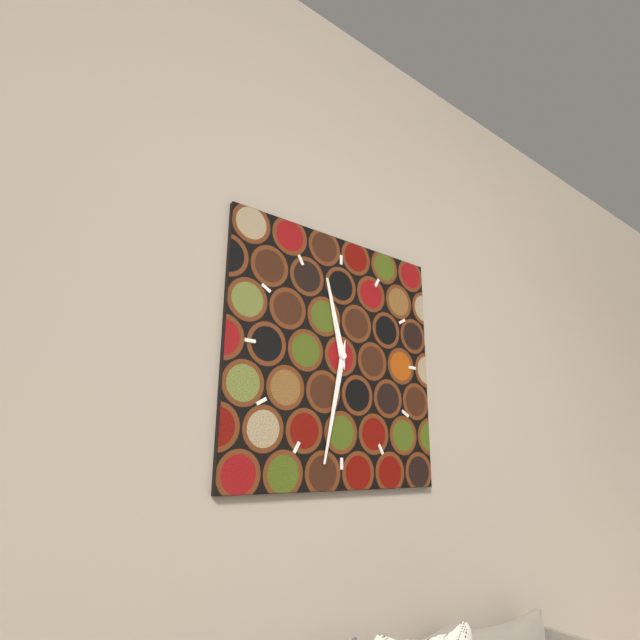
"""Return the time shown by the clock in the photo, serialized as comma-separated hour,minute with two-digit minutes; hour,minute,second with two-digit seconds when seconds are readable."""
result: 11,32
